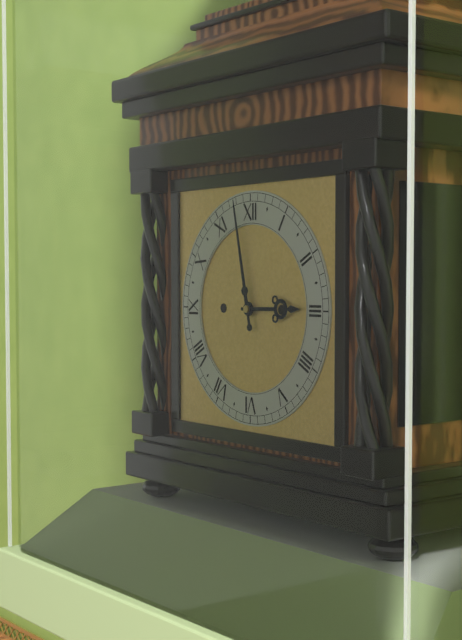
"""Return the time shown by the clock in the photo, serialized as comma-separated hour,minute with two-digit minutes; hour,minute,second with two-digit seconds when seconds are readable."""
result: 2,58
